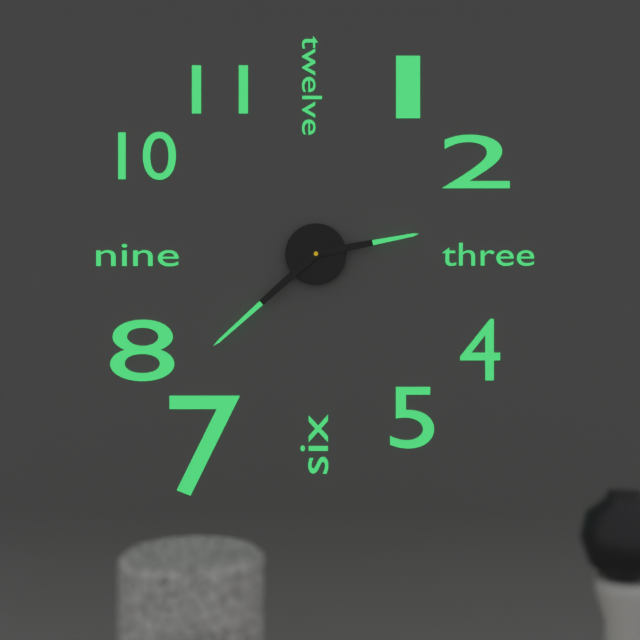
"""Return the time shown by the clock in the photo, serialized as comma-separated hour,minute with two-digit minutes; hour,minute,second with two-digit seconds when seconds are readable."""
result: 2,38
